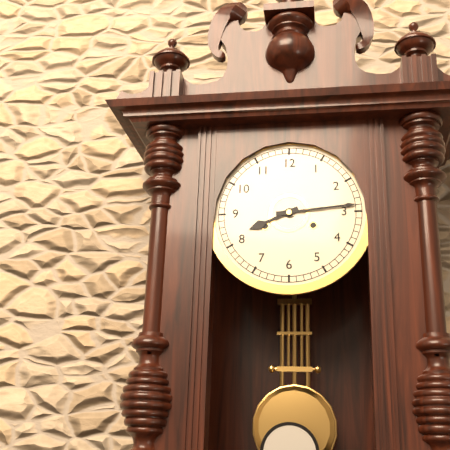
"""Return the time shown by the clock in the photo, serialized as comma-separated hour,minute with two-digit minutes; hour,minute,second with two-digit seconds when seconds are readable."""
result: 8,14
